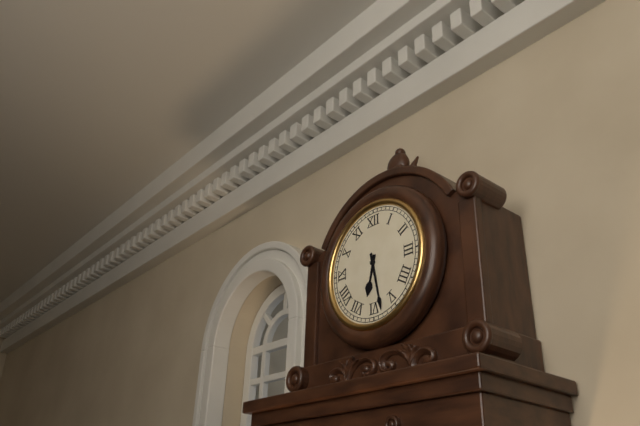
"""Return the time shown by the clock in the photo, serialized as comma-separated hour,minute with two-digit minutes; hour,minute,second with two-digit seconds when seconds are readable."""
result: 6,28
